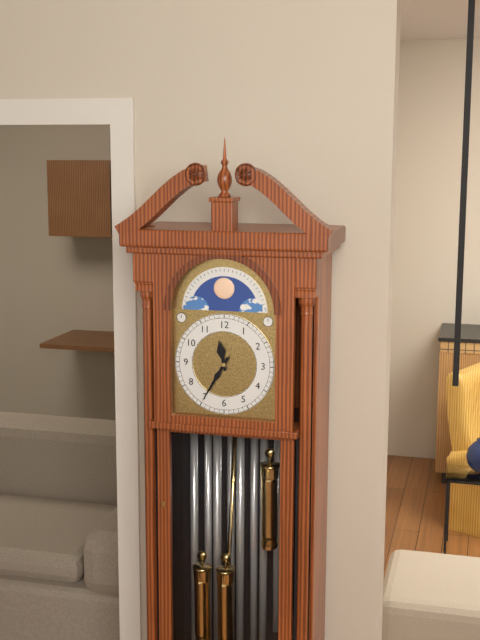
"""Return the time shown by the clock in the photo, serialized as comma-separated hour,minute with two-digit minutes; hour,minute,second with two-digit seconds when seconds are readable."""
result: 11,35
